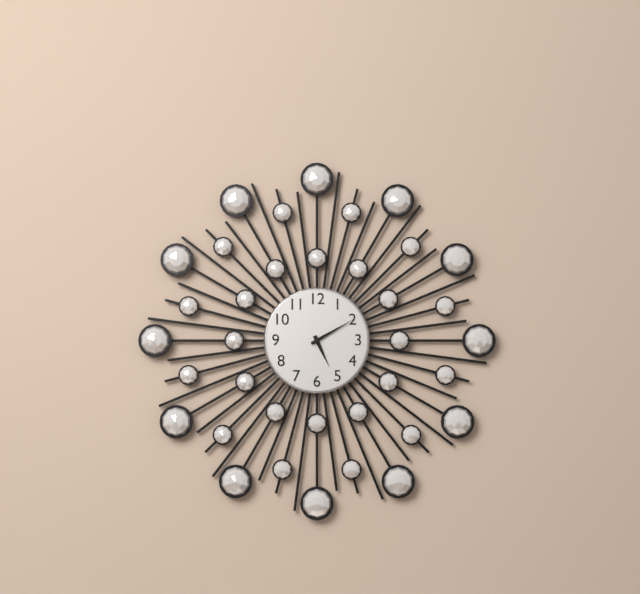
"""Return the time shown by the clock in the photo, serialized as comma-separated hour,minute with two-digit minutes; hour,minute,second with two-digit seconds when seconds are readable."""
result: 5,10
